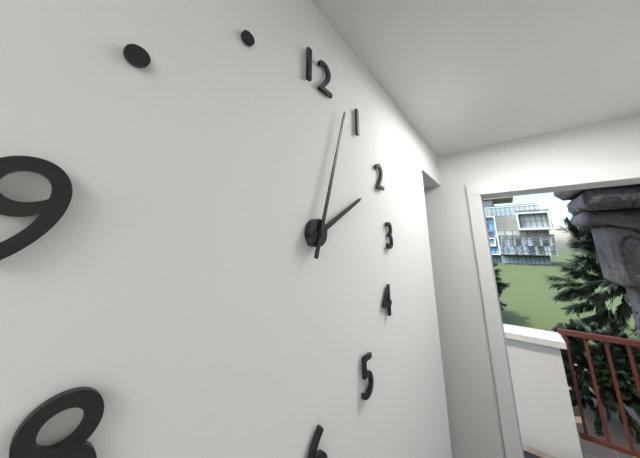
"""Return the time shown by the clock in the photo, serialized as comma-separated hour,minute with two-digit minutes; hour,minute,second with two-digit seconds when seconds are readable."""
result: 2,03
